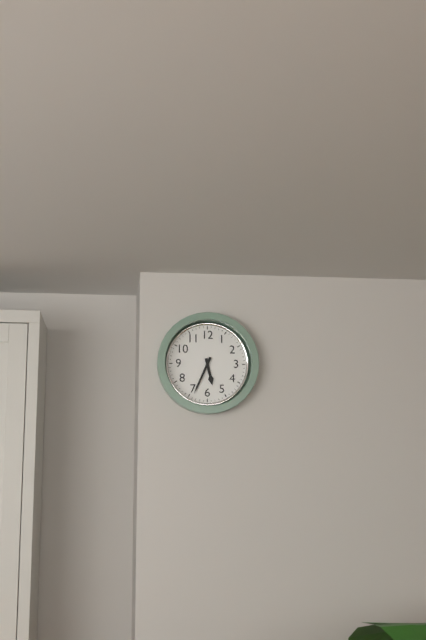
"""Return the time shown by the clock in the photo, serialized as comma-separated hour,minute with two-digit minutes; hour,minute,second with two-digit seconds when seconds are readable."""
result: 5,34
